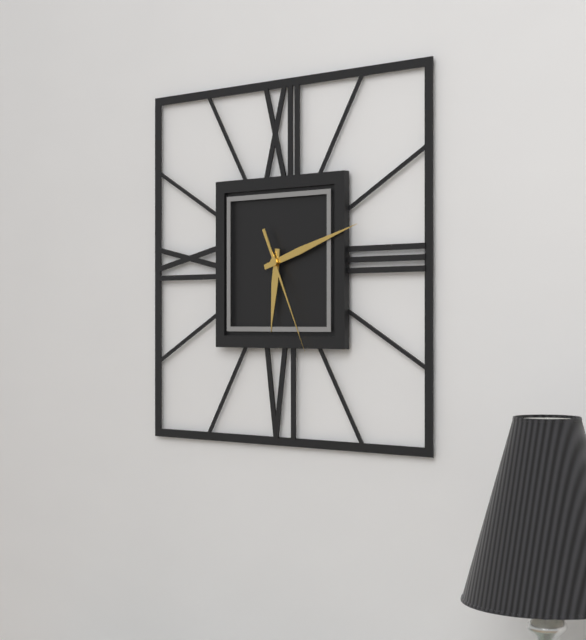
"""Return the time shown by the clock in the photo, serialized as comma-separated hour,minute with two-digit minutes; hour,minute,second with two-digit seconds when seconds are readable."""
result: 6,12,26
